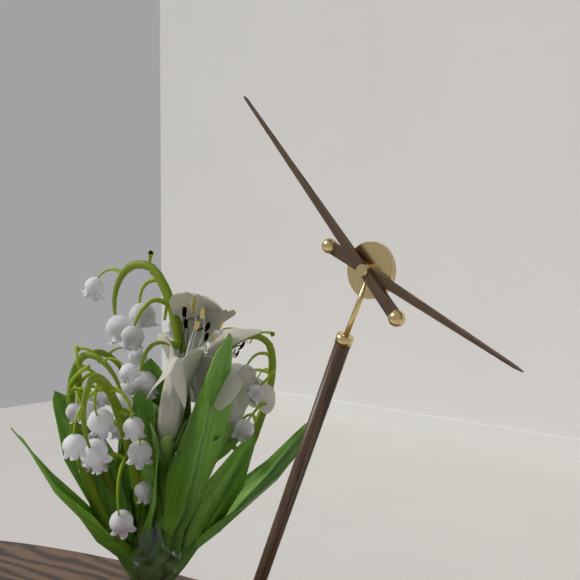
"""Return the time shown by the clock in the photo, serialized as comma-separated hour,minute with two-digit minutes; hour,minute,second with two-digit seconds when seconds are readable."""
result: 3,53
